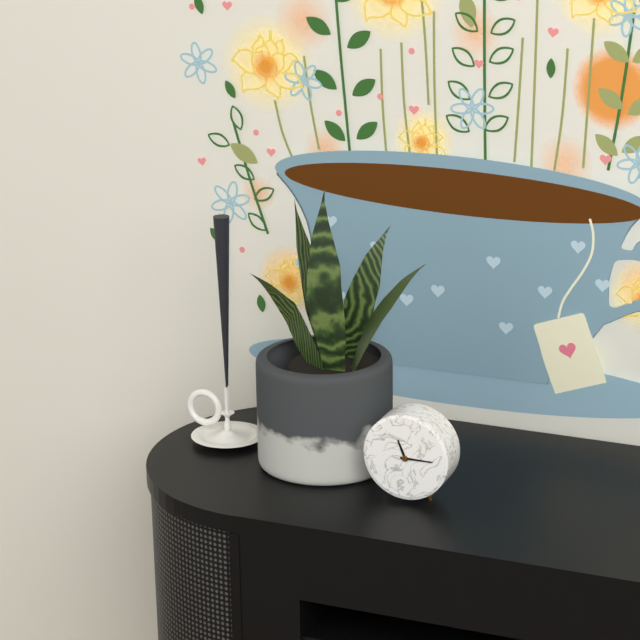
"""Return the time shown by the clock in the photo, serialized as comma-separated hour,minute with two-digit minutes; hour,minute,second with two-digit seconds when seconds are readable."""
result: 11,15
